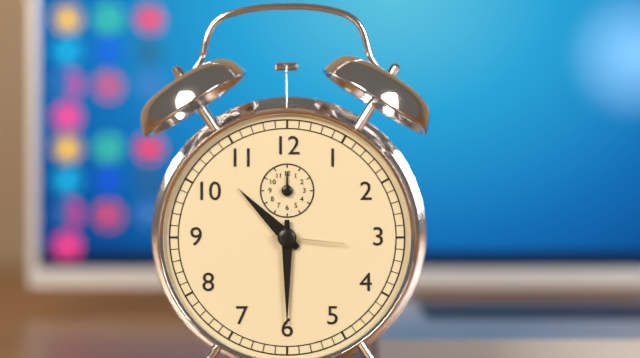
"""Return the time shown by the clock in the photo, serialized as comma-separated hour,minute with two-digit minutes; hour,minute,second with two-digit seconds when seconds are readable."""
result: 10,30,16
